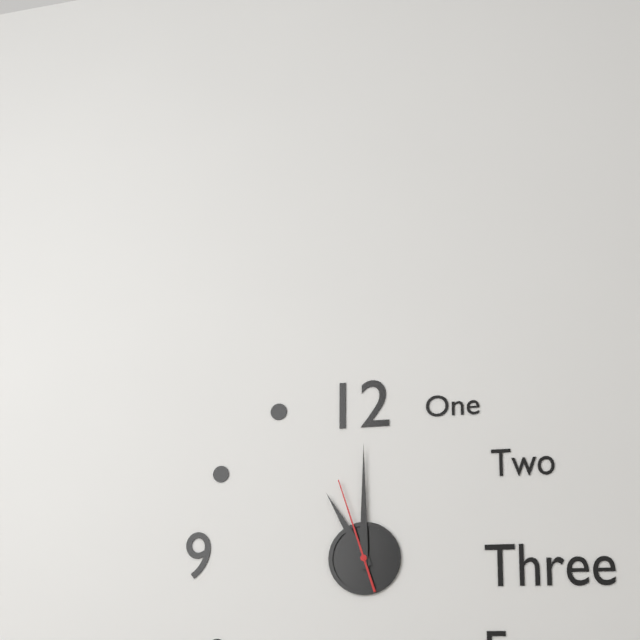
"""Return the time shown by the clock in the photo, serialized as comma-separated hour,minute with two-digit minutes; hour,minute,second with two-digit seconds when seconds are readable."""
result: 11,00,57
